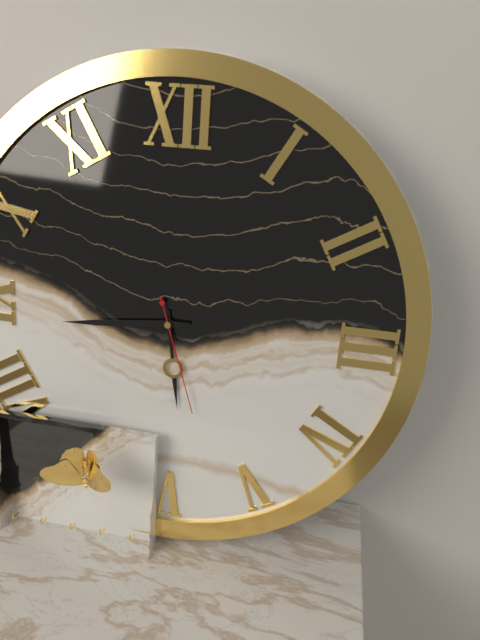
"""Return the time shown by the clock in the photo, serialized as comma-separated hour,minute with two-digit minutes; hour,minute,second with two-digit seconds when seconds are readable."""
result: 5,44,27
